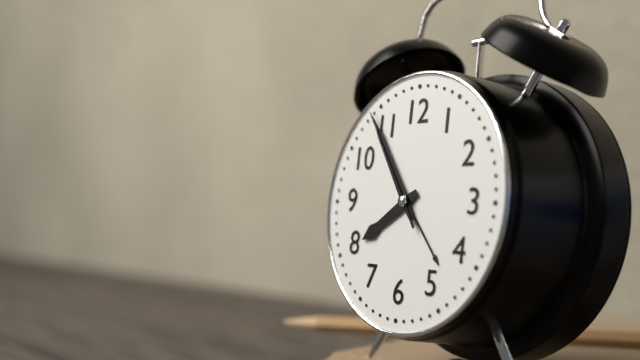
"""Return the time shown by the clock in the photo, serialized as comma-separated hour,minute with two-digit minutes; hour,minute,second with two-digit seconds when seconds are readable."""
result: 7,54,54
